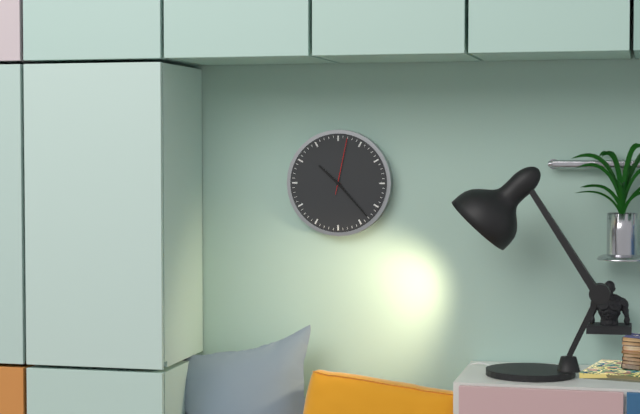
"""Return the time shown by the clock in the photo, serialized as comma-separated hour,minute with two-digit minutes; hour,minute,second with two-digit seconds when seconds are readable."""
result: 10,23,02
